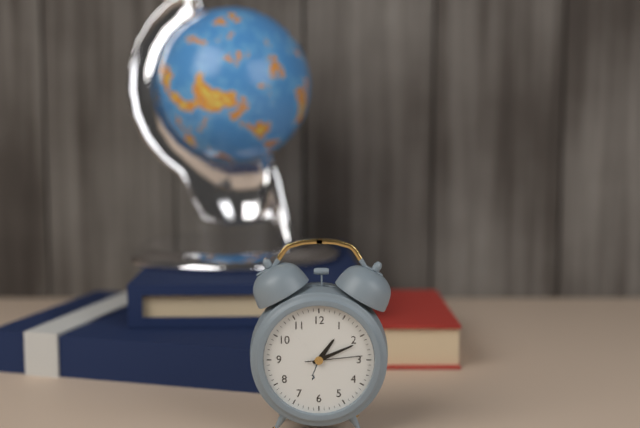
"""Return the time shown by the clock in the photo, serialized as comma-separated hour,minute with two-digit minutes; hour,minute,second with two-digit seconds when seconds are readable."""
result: 1,11,14
